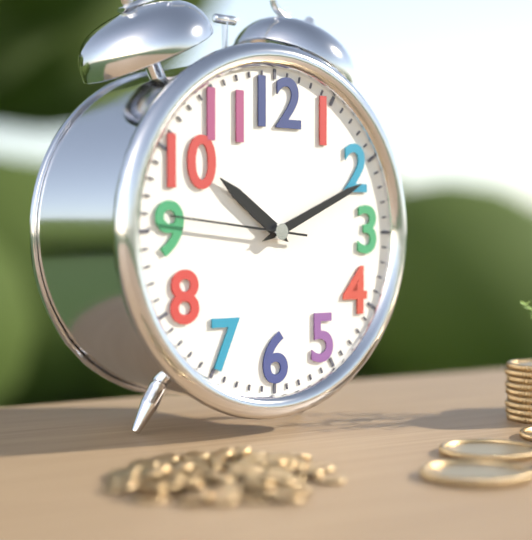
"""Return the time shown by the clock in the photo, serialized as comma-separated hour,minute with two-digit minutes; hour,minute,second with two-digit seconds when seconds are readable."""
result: 10,11,46
